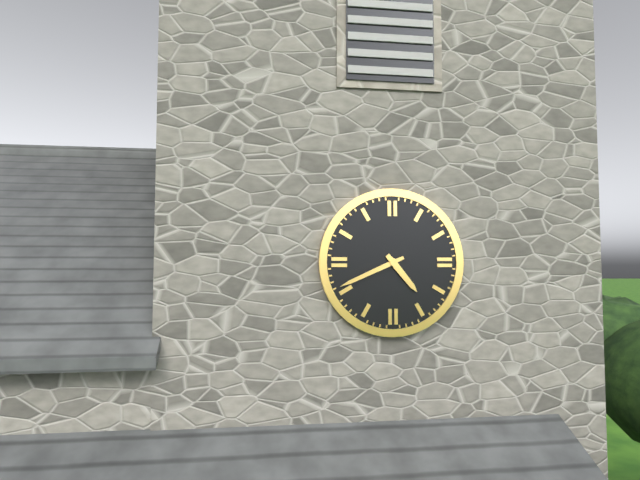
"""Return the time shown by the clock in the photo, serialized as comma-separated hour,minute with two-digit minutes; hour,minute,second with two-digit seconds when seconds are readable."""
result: 4,41
